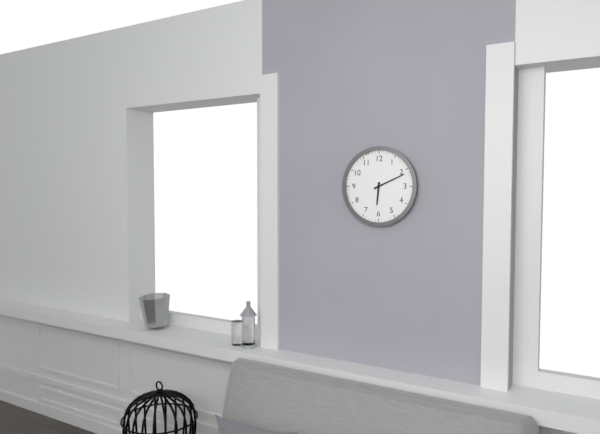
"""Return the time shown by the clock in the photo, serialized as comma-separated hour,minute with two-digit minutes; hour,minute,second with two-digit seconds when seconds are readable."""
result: 6,11
